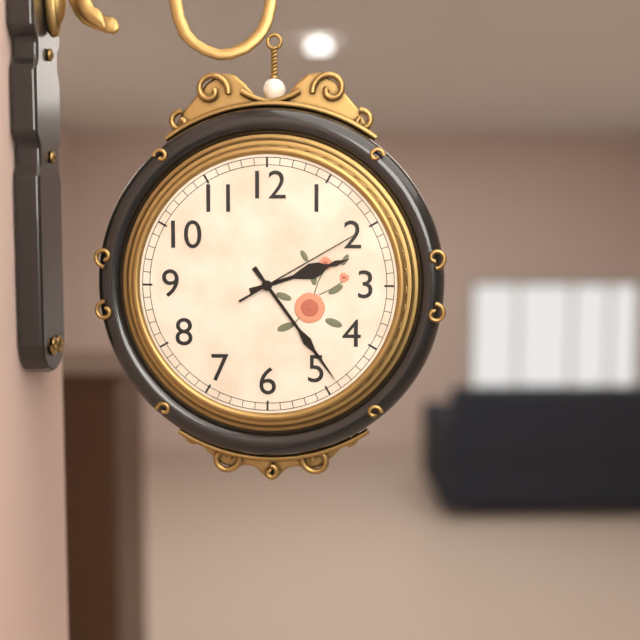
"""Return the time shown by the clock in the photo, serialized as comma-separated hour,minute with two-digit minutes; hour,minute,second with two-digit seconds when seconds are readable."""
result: 2,24,10
